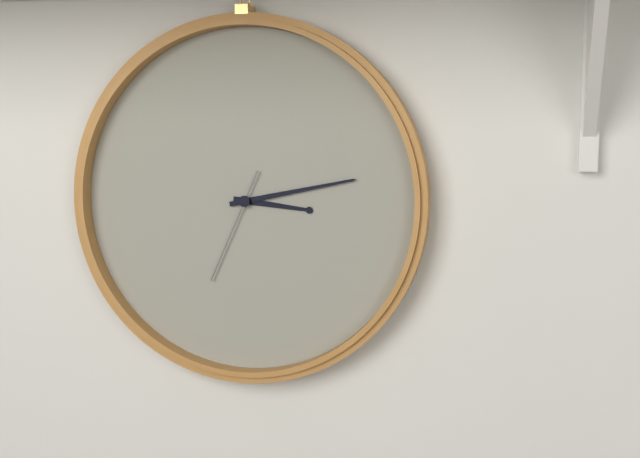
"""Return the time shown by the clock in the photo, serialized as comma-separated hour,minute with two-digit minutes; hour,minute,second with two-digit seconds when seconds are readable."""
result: 3,13,34
